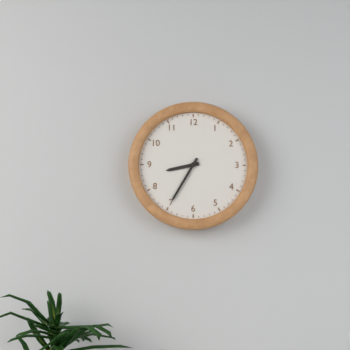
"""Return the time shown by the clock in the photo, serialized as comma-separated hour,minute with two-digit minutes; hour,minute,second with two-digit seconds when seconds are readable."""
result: 8,35
